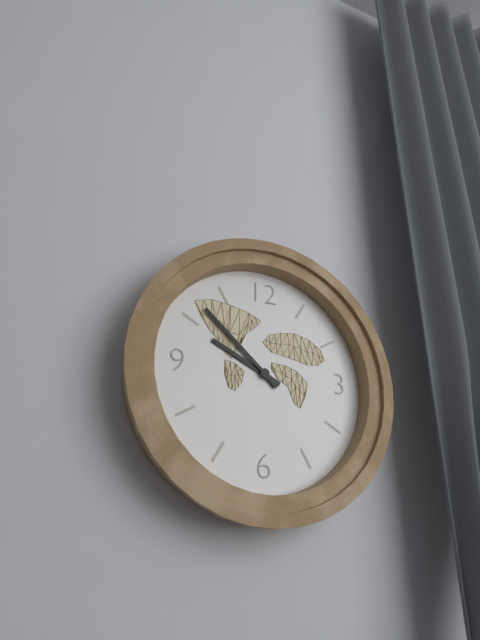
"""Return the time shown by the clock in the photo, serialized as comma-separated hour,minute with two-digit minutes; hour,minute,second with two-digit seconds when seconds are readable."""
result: 9,52
